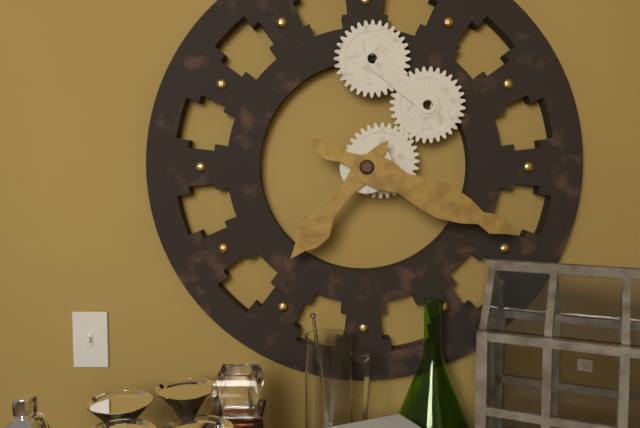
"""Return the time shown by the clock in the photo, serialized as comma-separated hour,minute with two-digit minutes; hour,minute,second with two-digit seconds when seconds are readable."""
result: 7,19
